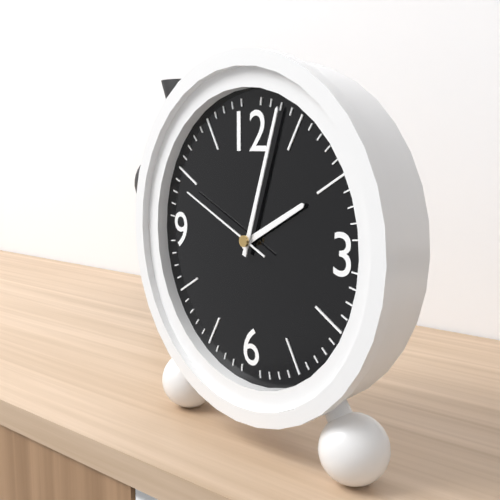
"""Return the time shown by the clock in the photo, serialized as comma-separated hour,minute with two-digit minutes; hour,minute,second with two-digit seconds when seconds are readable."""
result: 2,03,49
